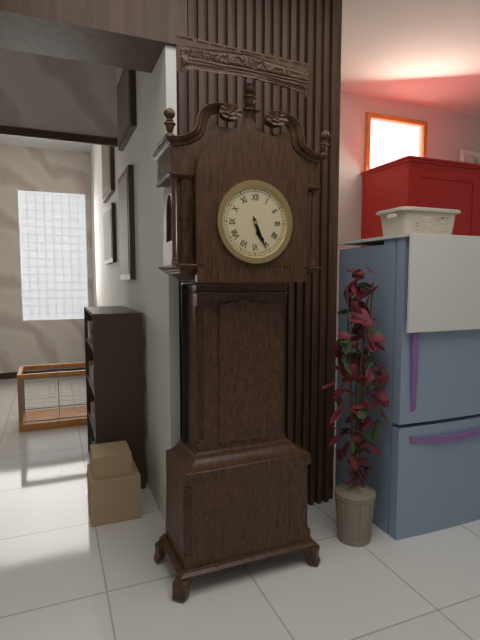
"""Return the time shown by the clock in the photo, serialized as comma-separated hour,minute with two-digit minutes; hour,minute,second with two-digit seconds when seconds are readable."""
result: 5,26
